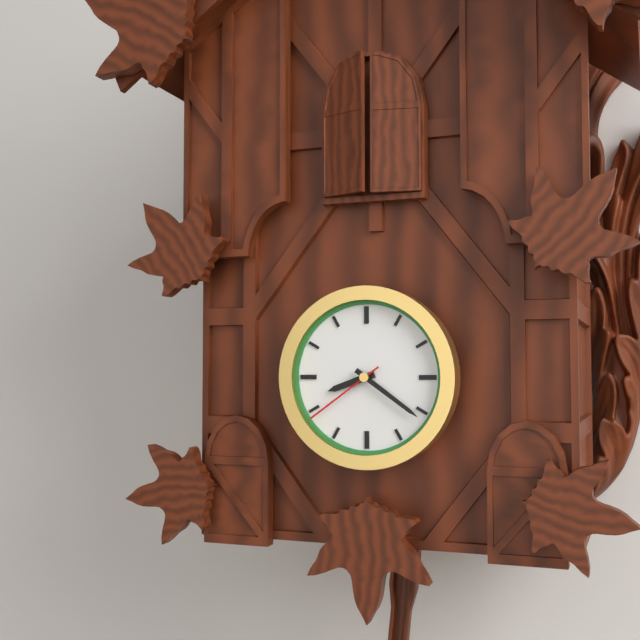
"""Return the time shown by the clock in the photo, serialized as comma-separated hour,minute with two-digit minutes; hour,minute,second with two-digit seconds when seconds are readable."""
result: 8,21,39
